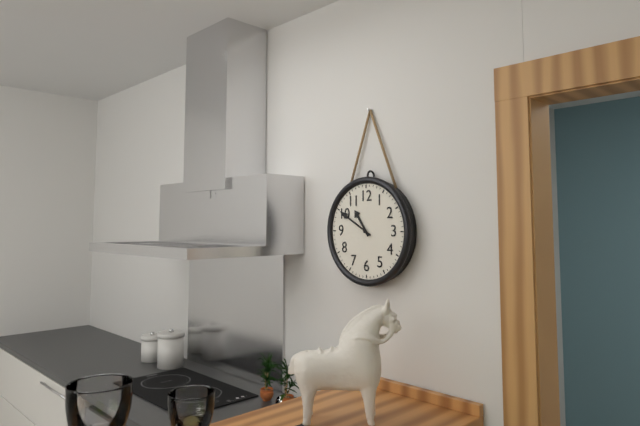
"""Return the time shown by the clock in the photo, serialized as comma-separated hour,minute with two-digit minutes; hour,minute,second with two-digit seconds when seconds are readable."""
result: 10,50
